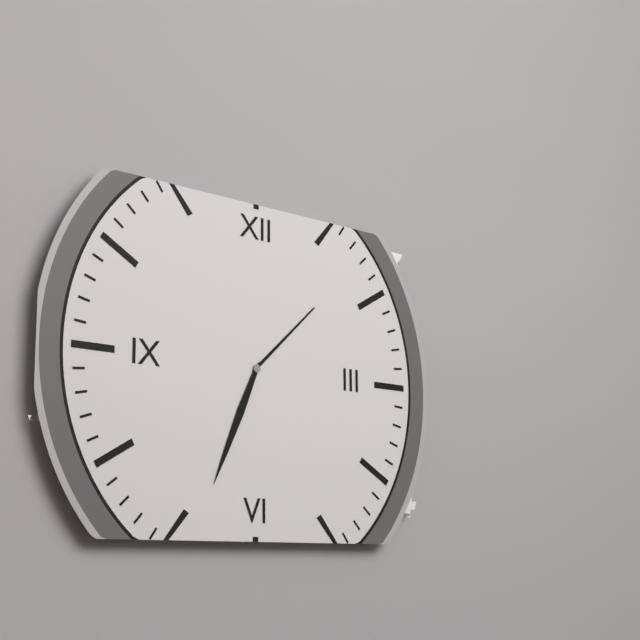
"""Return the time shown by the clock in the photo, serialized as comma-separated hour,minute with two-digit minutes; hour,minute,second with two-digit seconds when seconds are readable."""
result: 1,34
